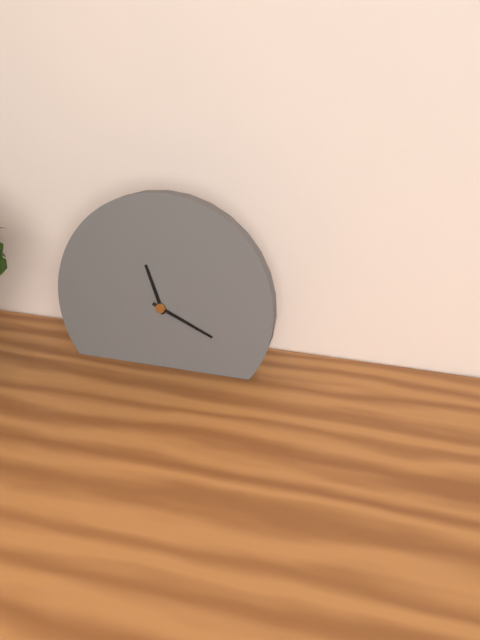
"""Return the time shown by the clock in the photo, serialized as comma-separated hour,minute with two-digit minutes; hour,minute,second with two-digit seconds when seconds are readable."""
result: 11,19
